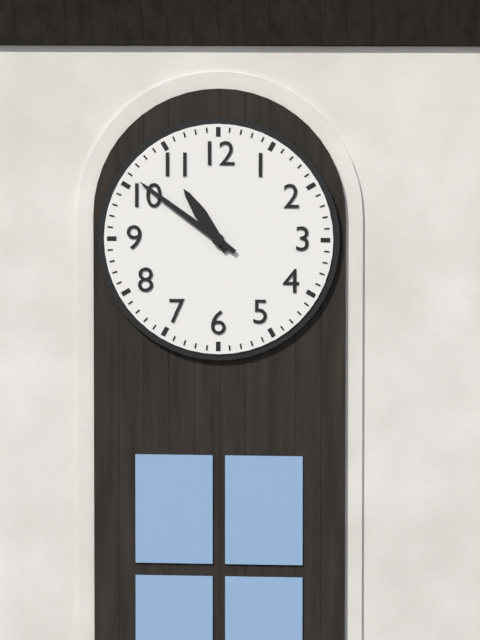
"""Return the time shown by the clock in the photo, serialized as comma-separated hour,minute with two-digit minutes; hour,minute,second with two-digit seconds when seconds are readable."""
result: 10,51
